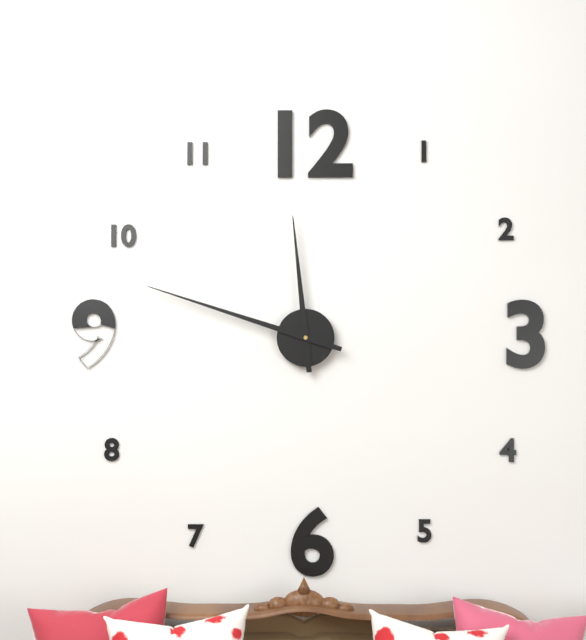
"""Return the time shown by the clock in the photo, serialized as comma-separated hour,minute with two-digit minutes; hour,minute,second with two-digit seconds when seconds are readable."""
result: 11,48
